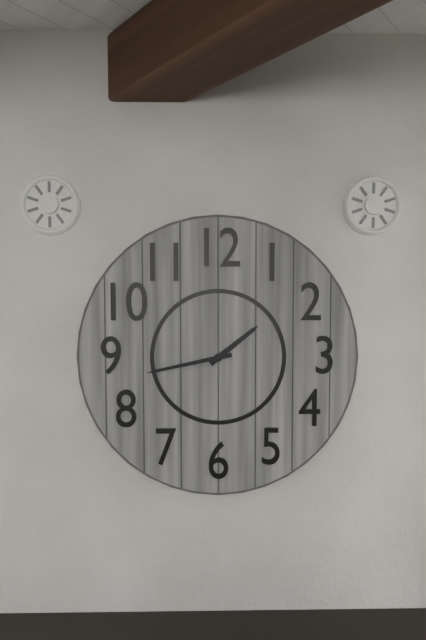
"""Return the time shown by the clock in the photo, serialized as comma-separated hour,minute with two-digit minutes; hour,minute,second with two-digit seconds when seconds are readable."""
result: 1,43
